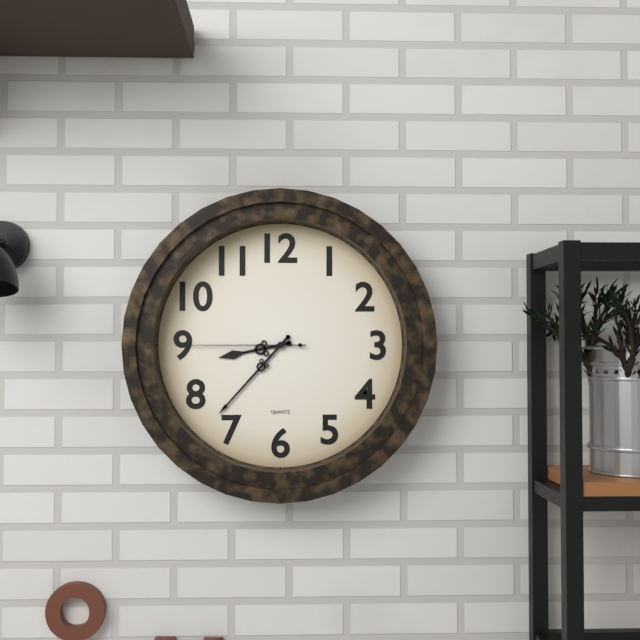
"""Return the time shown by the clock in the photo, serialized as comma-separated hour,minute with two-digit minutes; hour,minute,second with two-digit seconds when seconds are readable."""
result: 8,37,45
